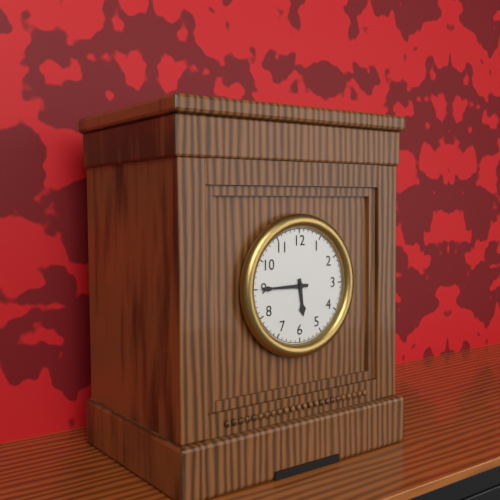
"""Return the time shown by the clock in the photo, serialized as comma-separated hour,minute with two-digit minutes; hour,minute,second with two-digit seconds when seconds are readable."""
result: 5,45
